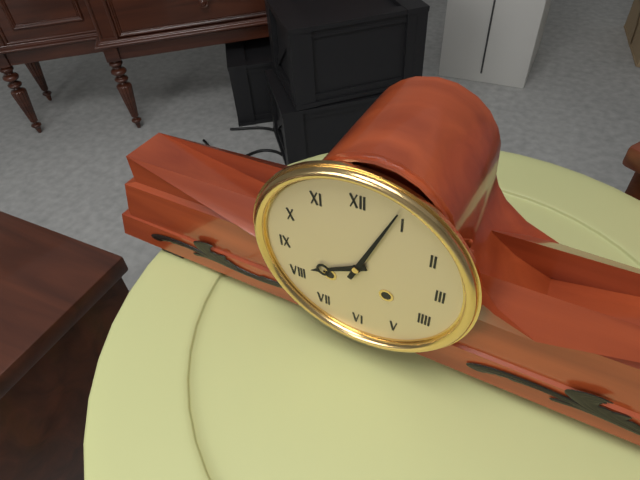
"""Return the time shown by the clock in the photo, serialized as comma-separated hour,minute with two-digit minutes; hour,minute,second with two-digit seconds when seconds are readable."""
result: 8,04
